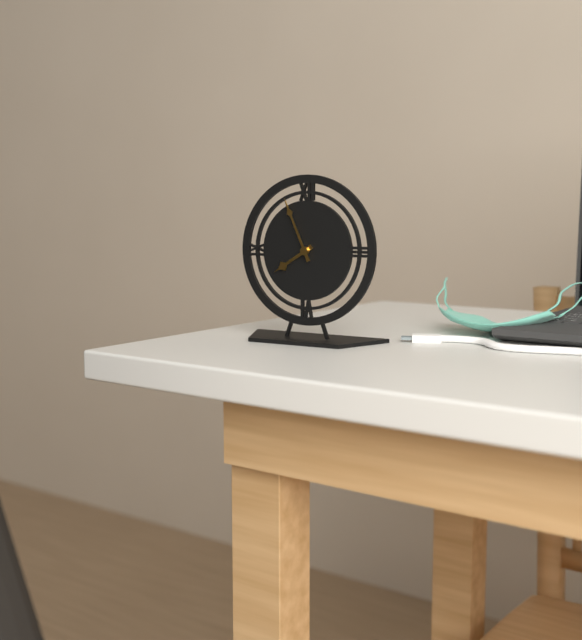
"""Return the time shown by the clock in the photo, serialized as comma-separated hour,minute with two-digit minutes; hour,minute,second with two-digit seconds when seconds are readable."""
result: 7,56
